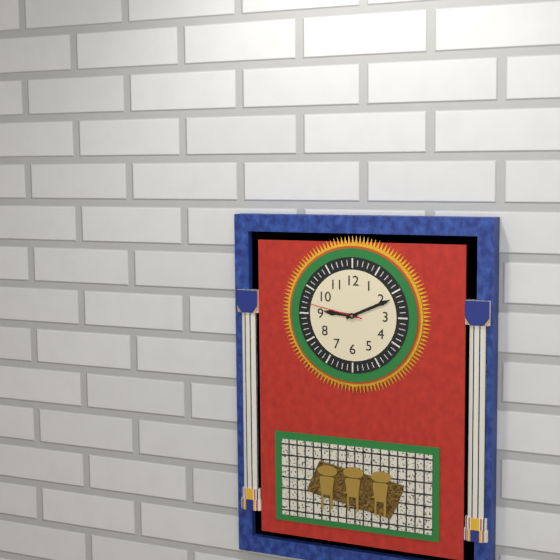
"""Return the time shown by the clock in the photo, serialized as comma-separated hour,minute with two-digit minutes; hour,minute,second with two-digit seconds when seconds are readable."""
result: 9,11,47
